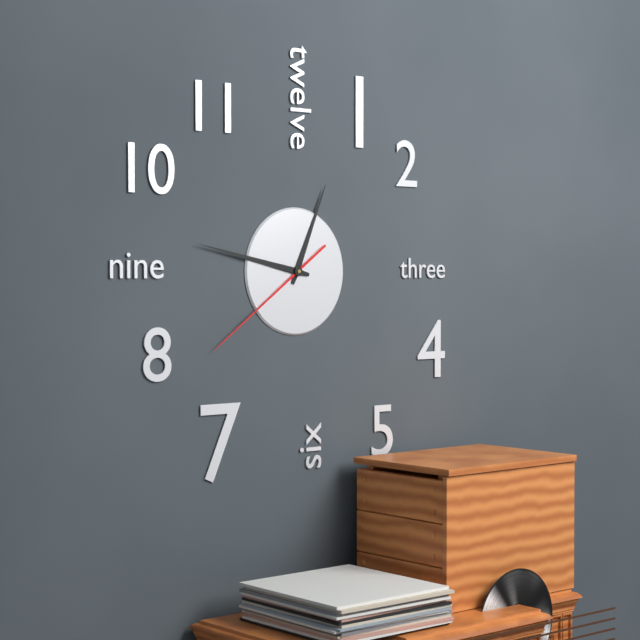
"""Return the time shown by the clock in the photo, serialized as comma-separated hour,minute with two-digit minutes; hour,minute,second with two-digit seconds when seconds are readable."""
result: 12,47,39
